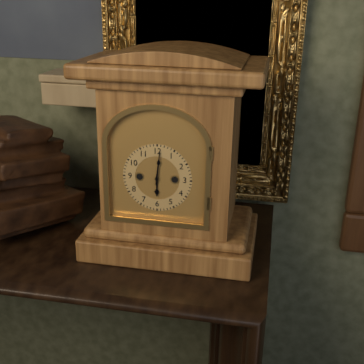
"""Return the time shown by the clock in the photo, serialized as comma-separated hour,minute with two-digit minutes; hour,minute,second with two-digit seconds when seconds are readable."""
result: 6,01
